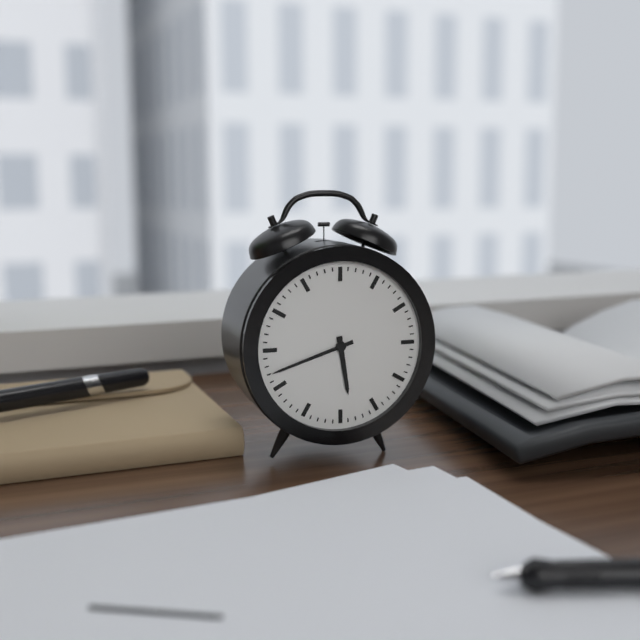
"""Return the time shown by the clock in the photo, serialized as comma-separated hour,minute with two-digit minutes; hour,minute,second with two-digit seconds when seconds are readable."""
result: 5,42
